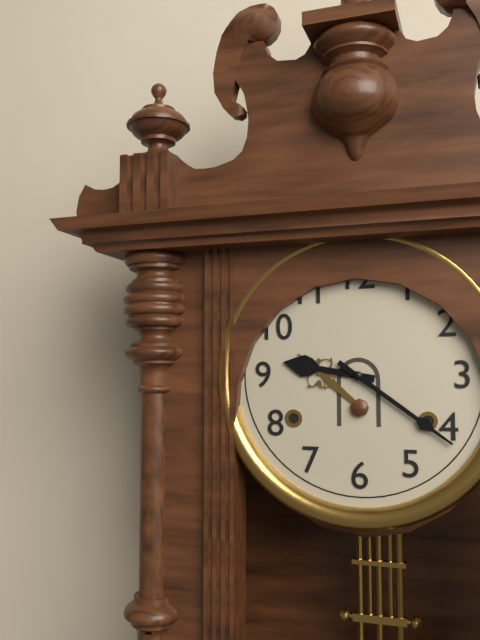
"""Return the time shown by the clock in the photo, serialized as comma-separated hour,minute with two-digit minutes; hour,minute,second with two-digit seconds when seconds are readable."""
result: 9,21
